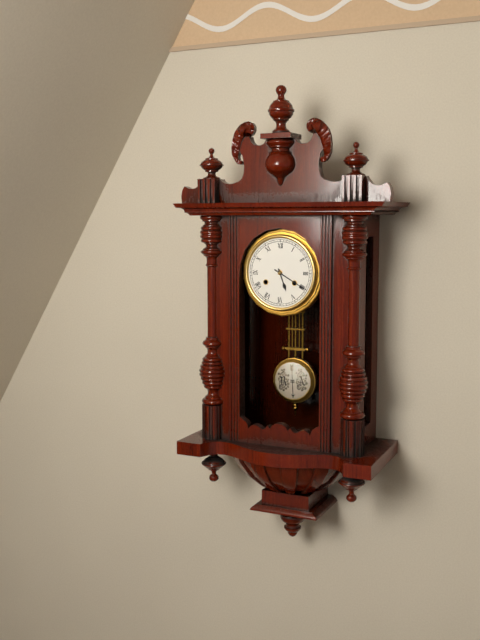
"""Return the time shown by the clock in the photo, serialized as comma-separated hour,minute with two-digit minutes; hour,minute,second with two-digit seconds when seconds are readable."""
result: 5,20
